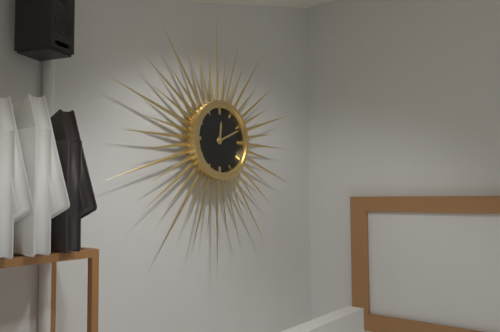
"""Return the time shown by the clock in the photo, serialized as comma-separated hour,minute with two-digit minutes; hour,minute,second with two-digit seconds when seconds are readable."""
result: 12,11
